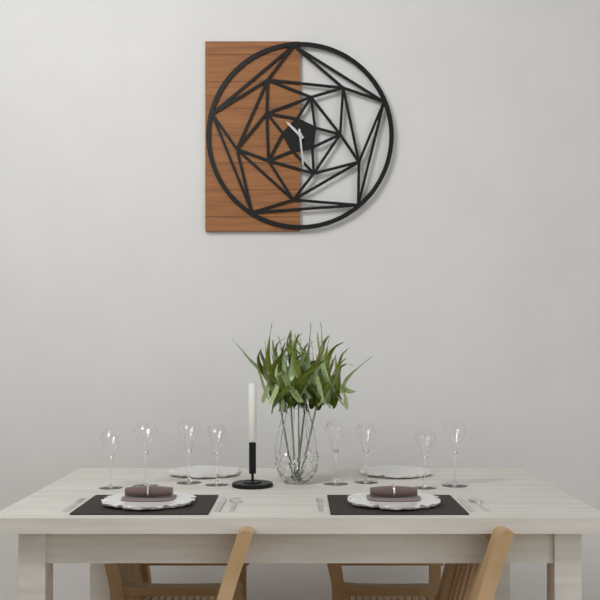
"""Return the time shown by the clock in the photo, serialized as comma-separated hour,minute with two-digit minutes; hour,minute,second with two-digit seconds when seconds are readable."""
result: 10,29
